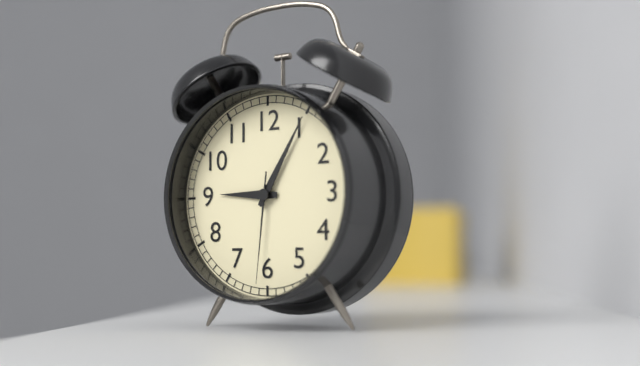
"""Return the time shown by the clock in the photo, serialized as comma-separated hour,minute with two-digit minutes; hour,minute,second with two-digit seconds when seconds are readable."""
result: 9,05,31
